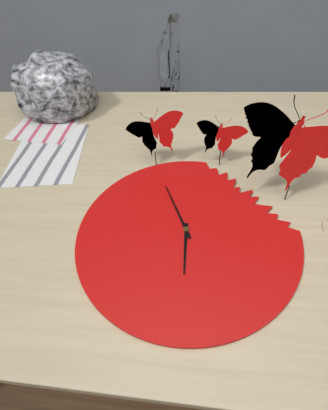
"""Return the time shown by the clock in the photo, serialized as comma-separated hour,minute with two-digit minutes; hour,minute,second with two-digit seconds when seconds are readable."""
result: 5,56
